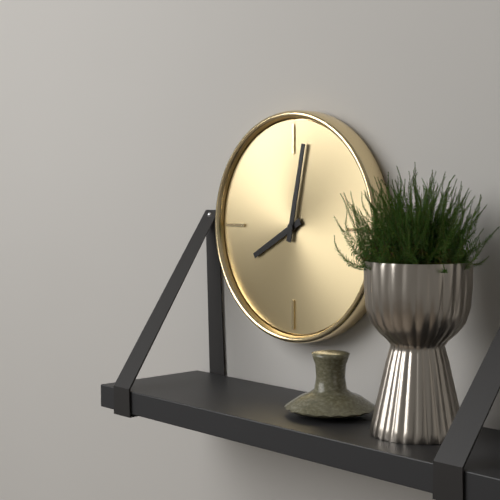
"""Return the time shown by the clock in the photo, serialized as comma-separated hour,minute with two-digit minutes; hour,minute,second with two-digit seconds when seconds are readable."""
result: 8,02
